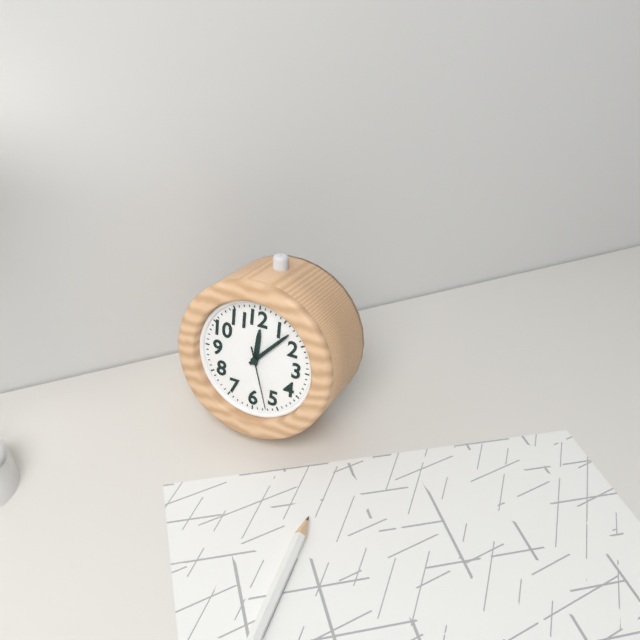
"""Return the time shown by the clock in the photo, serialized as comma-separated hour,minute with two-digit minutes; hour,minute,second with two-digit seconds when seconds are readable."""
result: 12,07,27
